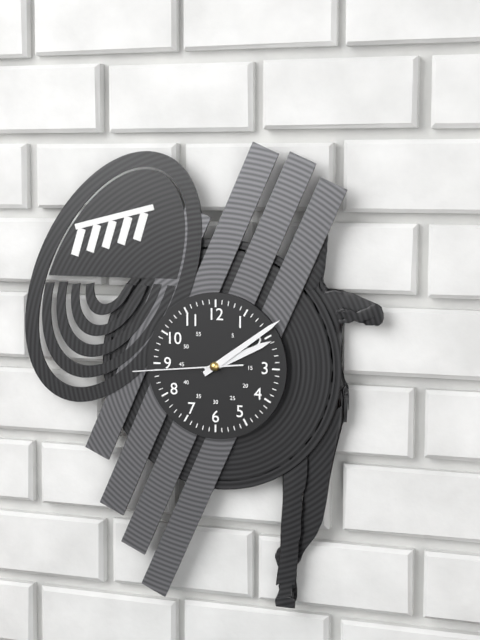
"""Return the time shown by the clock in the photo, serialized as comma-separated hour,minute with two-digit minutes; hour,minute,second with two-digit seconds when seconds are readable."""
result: 2,09,44
